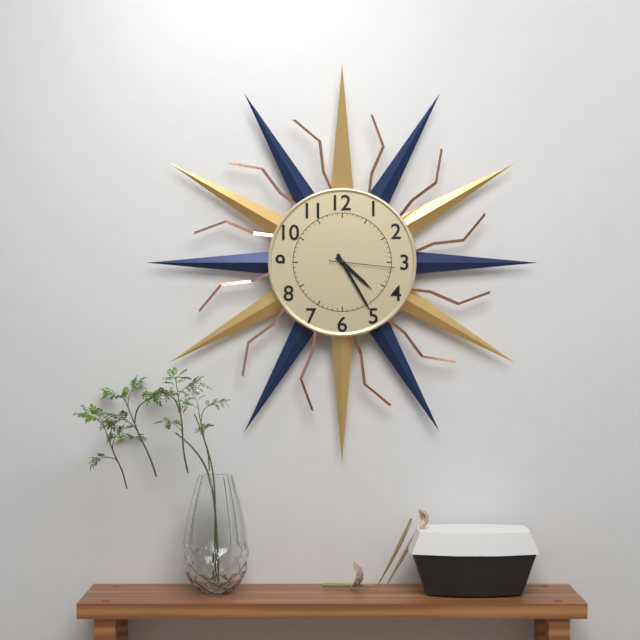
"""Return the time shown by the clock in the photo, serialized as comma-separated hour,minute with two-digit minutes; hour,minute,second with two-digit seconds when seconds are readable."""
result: 4,25,16
